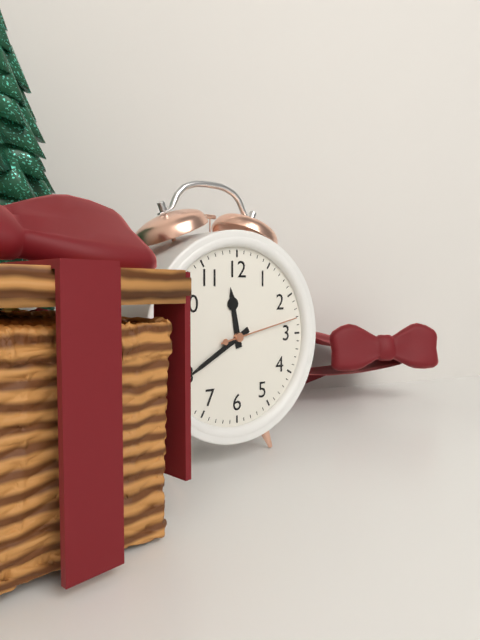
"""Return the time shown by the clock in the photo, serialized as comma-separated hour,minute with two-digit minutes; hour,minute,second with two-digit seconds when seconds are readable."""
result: 11,40,13
